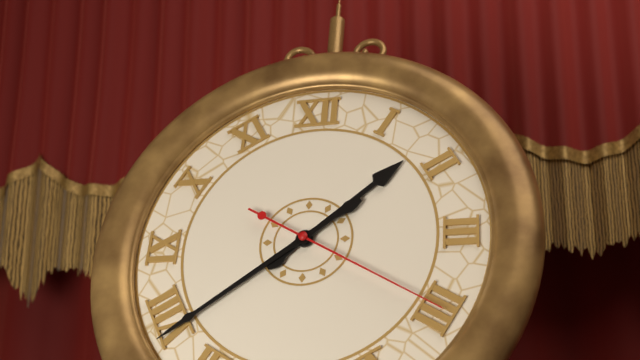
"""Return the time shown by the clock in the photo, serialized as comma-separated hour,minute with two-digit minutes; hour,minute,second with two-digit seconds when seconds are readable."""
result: 1,39,20
